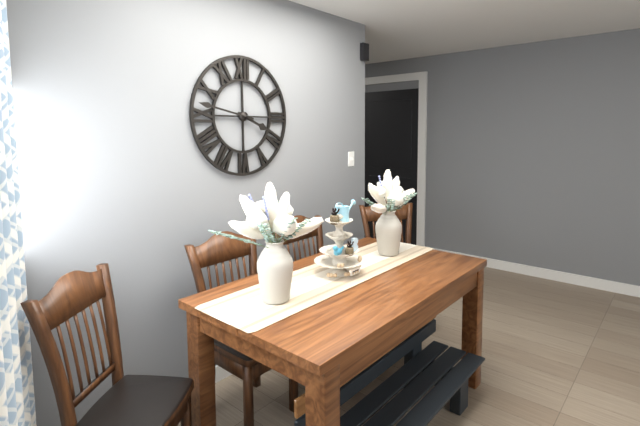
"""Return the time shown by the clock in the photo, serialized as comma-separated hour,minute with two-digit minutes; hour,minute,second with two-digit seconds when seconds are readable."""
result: 3,47
